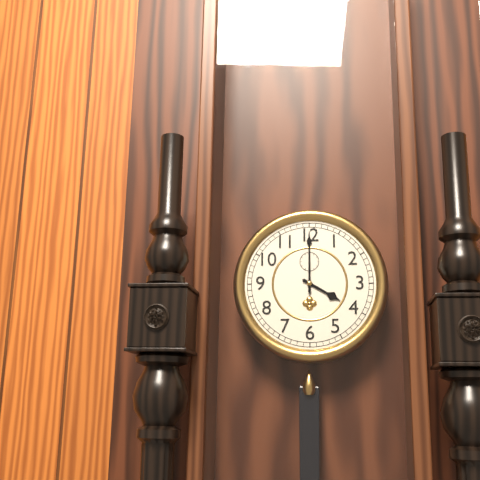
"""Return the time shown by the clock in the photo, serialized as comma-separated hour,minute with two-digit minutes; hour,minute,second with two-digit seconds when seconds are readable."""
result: 4,00
